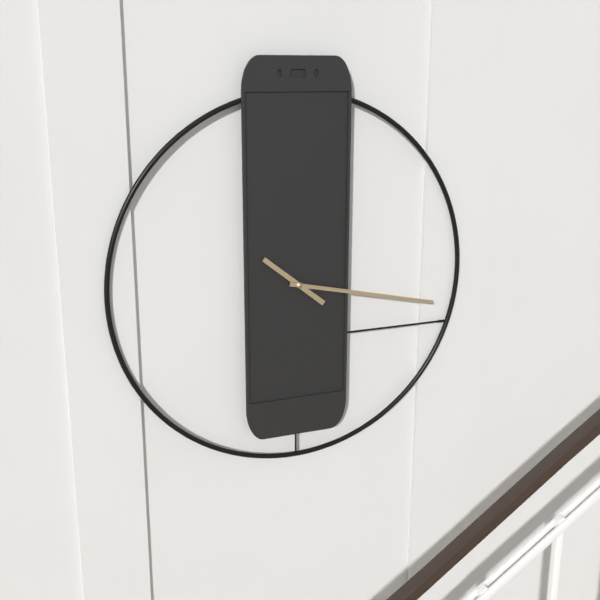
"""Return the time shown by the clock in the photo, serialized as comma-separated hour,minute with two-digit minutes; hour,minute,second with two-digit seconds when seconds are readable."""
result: 10,17
